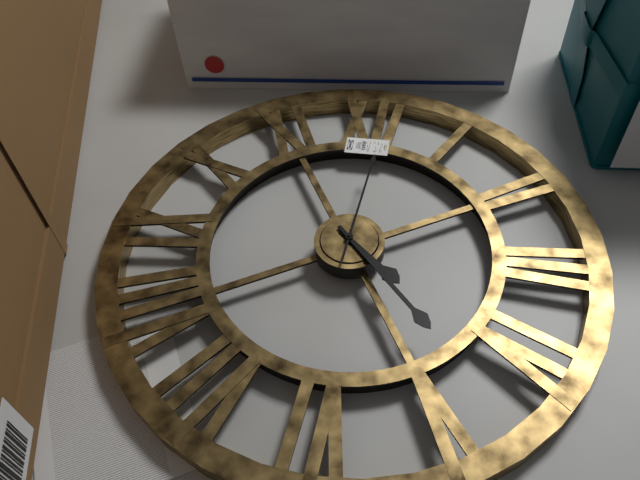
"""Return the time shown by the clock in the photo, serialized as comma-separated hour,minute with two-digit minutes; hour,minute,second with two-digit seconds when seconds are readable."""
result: 4,23,01
